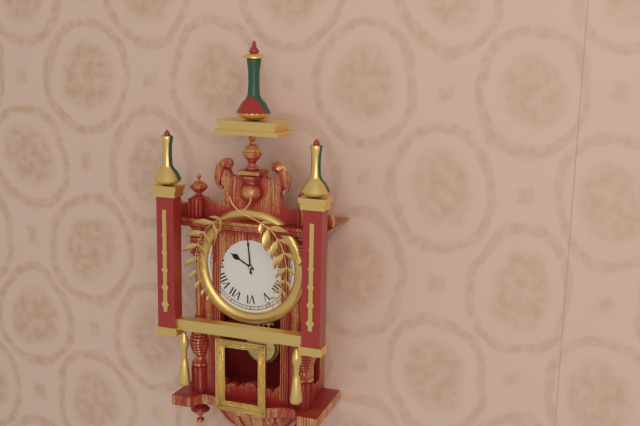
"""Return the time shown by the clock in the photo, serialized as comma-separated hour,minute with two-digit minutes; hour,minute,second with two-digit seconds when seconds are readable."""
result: 9,59
